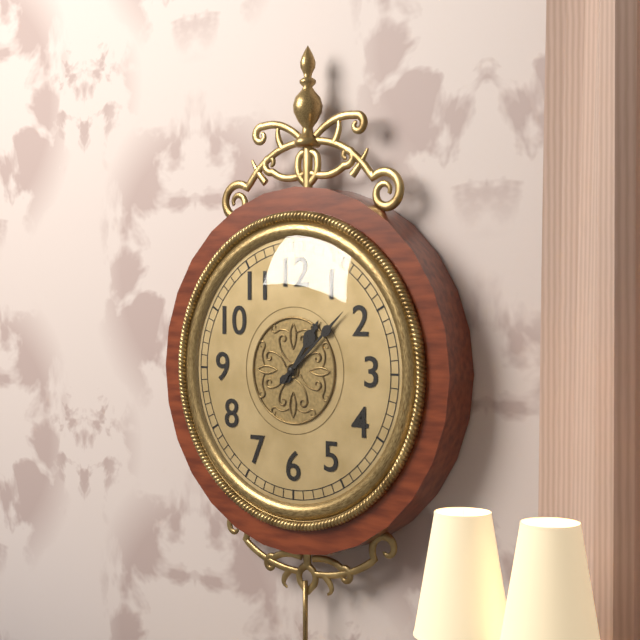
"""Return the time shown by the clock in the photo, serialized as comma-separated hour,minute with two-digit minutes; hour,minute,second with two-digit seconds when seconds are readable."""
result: 1,08
